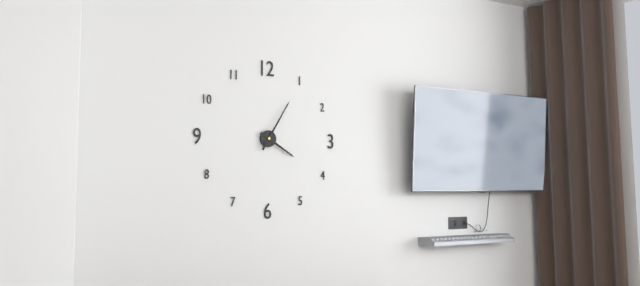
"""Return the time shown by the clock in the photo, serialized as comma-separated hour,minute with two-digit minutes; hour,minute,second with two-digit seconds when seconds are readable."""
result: 4,05
